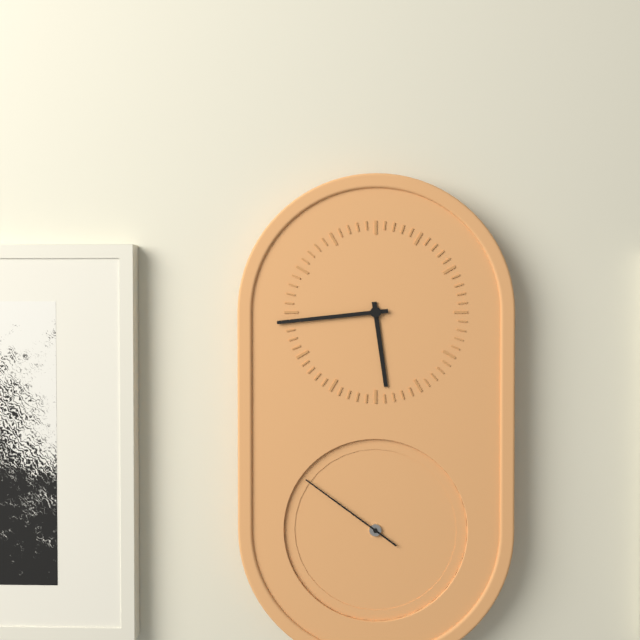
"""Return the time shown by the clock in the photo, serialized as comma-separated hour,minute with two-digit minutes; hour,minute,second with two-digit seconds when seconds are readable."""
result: 5,44,51
